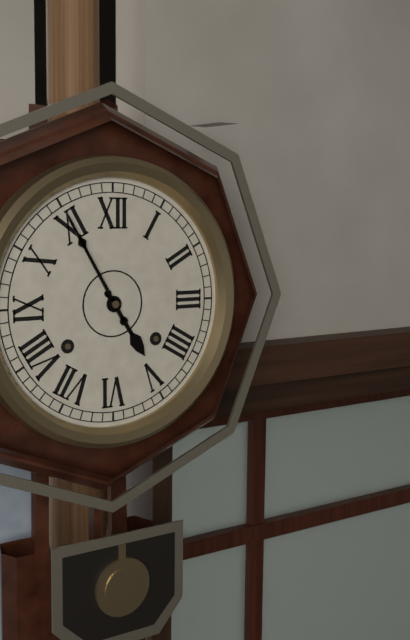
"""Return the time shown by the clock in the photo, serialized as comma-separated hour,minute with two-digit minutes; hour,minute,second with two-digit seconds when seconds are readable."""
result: 4,55
